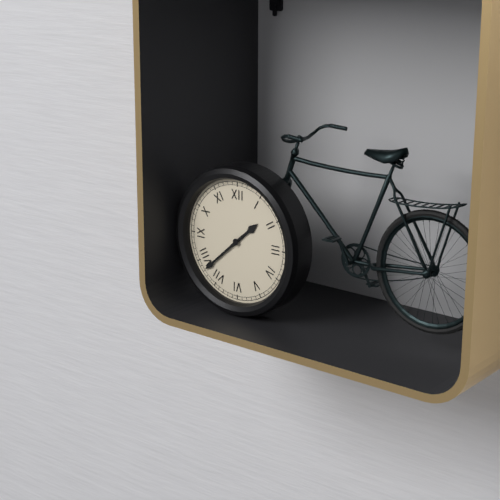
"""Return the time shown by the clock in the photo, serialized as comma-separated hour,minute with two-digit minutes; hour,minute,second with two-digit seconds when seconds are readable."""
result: 1,38
